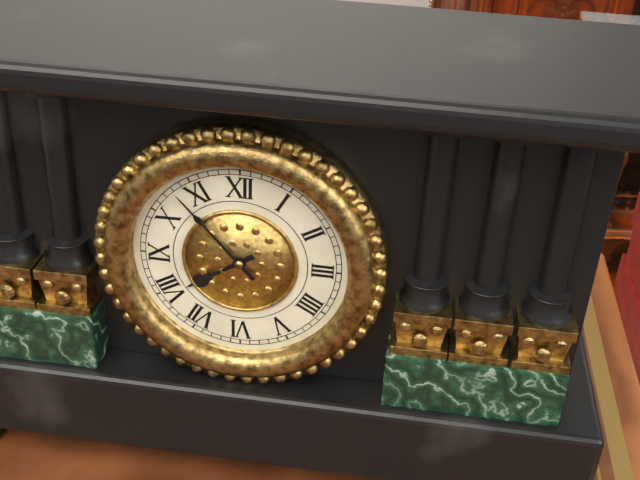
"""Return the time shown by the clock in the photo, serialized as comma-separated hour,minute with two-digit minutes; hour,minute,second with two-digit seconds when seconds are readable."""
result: 7,53
